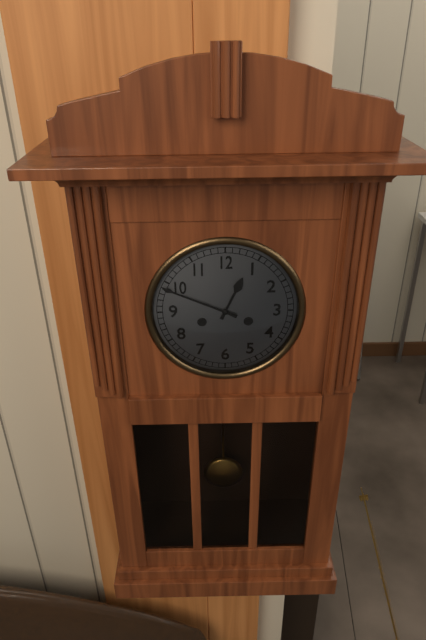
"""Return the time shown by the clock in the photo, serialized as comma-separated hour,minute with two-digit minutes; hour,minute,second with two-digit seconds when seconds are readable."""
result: 12,49
